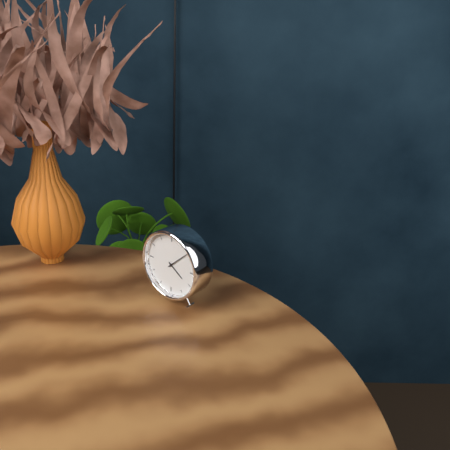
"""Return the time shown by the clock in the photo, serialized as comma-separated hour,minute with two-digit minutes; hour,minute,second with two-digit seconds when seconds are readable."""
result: 4,08
